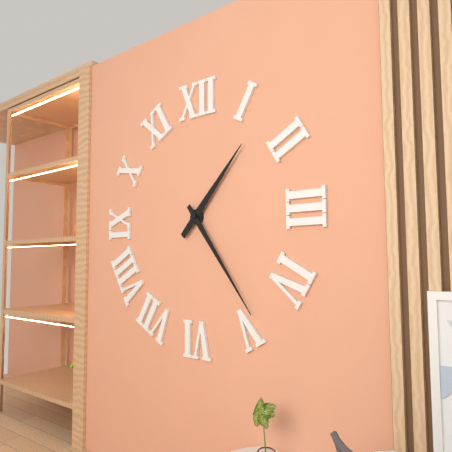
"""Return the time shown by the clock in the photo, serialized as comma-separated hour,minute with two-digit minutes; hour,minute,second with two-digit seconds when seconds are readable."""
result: 1,24
